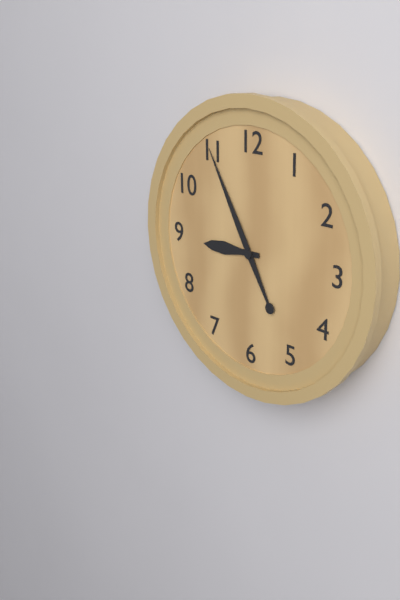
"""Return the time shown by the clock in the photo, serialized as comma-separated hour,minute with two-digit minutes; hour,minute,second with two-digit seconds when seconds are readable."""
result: 8,55
